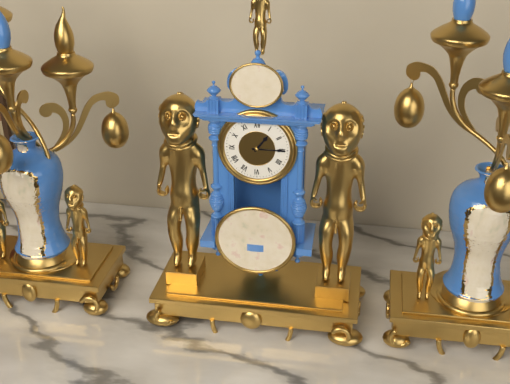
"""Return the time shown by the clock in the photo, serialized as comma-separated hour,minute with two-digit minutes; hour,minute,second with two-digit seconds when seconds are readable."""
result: 1,15
